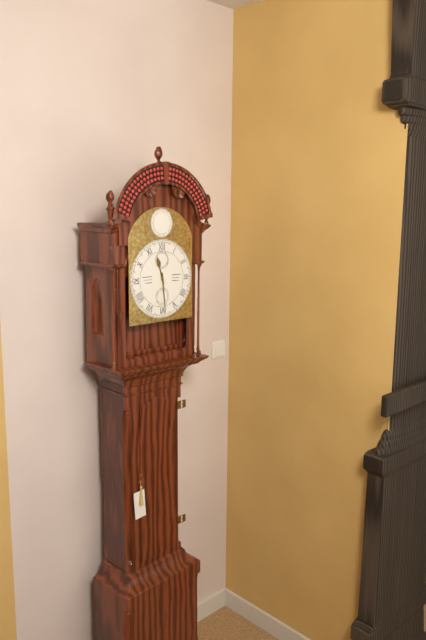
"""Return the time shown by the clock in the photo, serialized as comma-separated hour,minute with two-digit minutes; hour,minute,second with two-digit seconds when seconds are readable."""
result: 11,29
